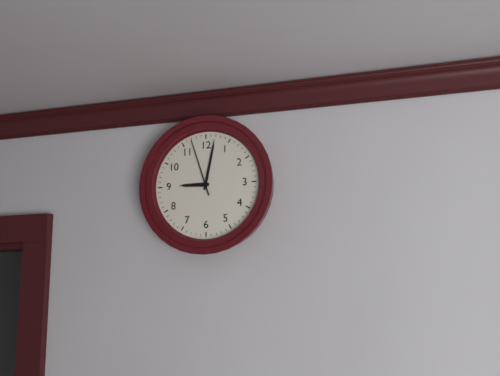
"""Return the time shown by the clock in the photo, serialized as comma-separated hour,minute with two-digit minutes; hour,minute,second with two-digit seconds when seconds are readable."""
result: 9,02,57
